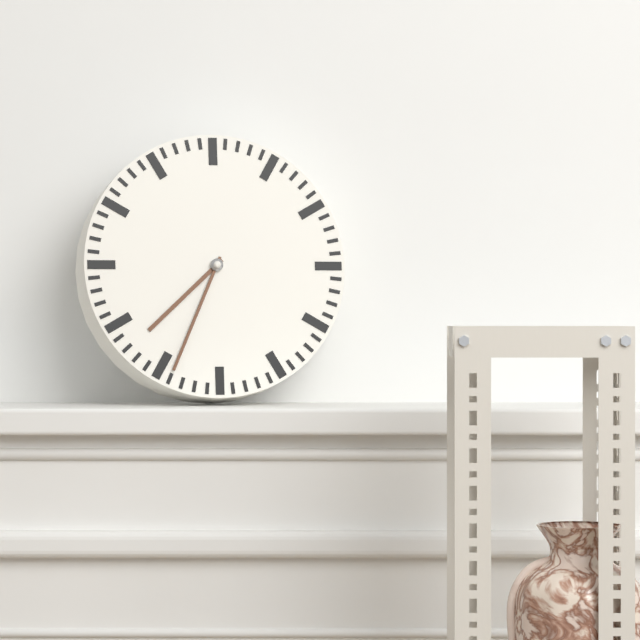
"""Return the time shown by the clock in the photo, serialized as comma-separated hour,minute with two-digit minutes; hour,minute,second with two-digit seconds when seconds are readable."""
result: 7,34
